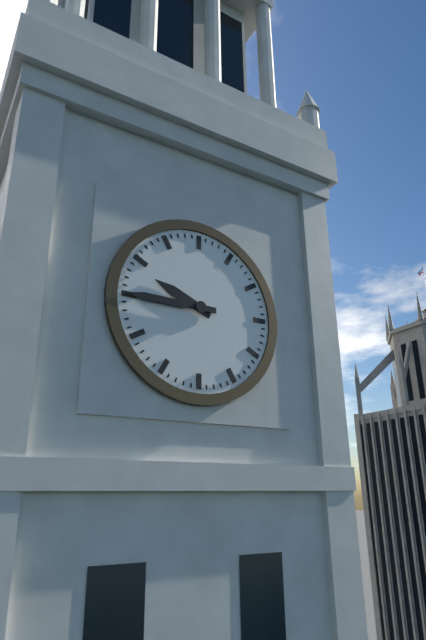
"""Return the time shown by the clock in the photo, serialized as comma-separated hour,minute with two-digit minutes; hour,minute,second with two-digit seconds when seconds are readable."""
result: 9,45
